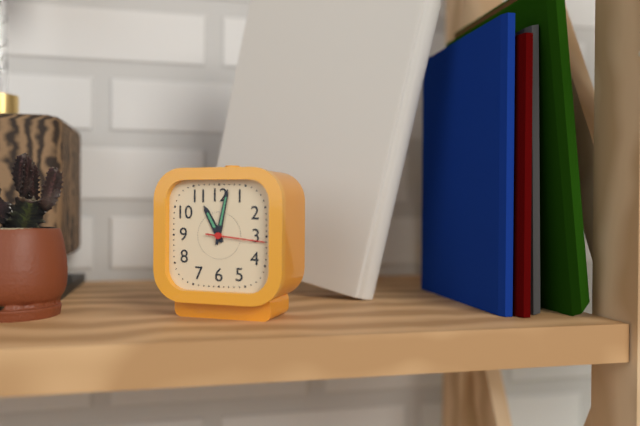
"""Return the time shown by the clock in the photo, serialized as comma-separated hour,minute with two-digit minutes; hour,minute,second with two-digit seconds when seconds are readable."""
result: 11,02
